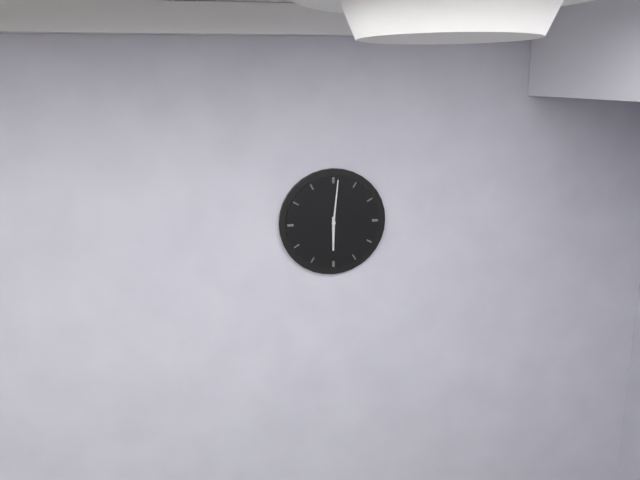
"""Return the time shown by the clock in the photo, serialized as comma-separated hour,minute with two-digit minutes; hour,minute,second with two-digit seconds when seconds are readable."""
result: 6,01
